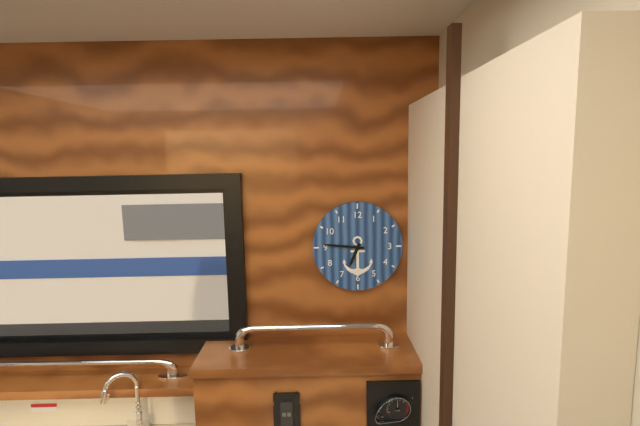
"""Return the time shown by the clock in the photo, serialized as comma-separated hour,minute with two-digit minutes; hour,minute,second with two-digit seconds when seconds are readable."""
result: 6,46
